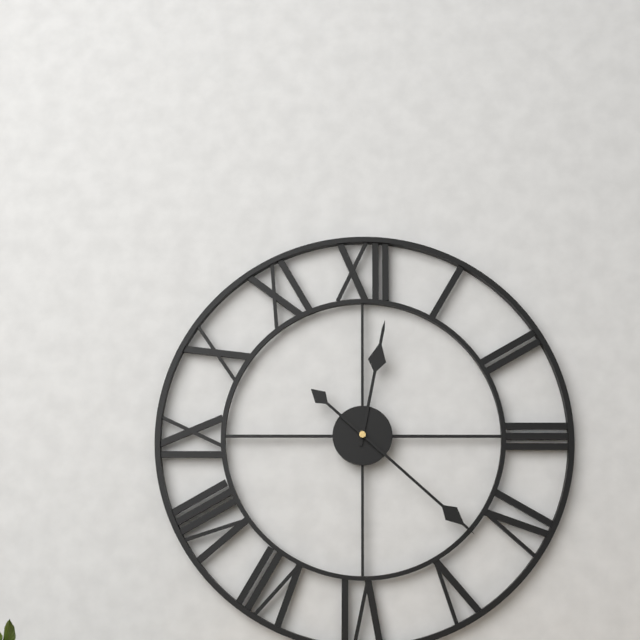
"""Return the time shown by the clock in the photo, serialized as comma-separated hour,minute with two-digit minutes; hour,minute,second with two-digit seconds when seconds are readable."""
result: 12,22
